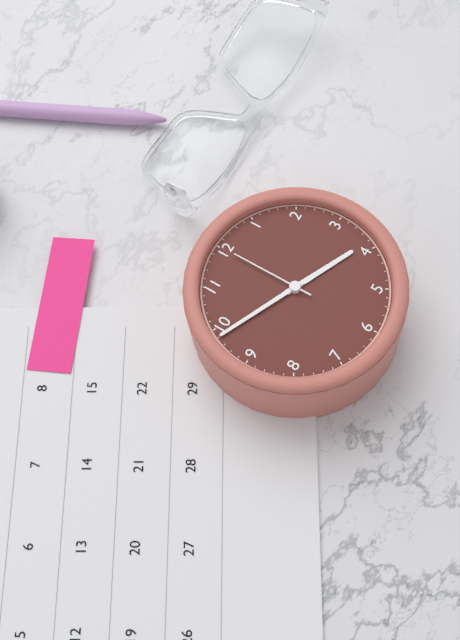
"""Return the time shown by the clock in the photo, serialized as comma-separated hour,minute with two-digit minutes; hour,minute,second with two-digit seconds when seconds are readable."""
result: 3,49,00
